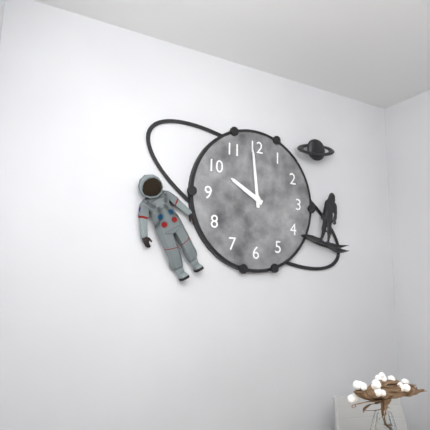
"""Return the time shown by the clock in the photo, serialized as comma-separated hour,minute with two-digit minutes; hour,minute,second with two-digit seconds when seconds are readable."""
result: 9,59
